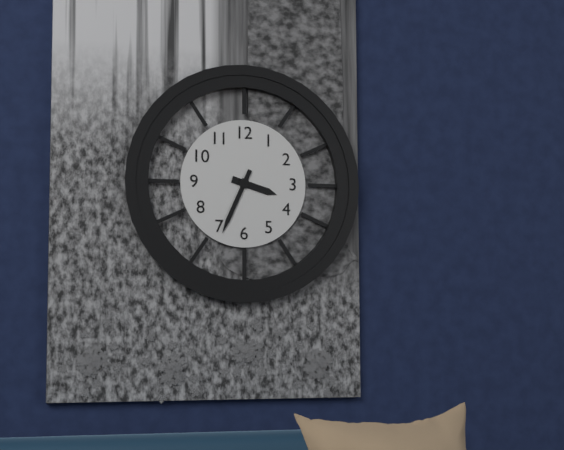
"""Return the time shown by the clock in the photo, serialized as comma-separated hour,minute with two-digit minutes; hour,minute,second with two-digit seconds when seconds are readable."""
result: 3,34
